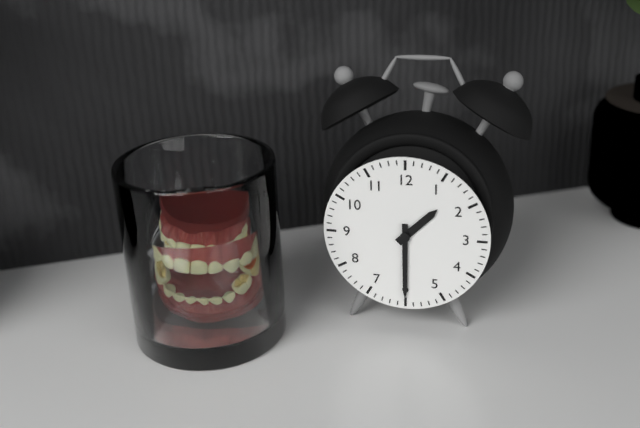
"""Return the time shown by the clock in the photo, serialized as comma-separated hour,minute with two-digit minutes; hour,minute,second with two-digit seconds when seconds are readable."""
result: 1,30
